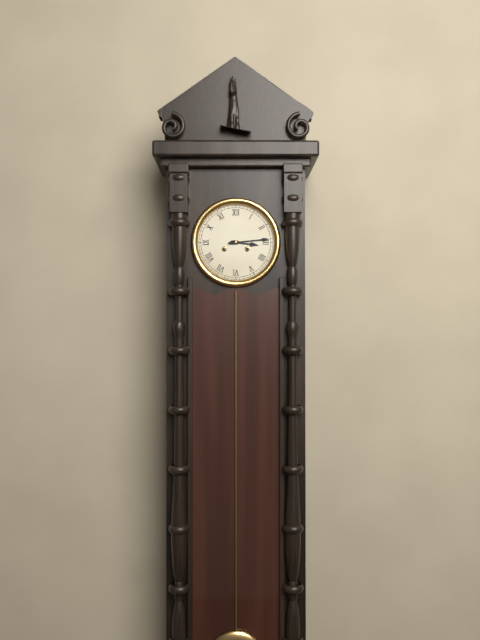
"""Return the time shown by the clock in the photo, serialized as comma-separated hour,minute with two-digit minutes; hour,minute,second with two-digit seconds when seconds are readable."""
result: 3,14
